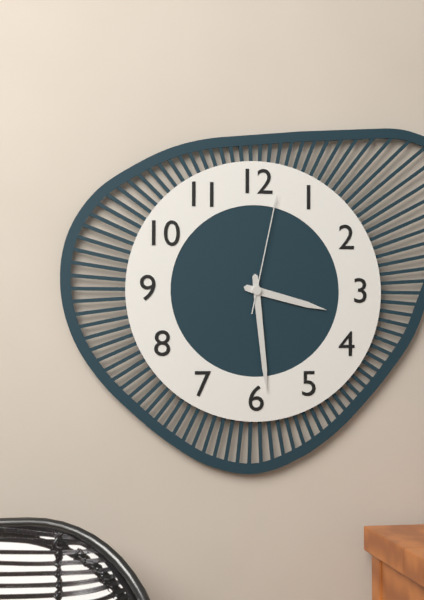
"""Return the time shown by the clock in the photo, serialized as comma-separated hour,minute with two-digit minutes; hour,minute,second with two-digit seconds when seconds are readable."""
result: 3,29,02
